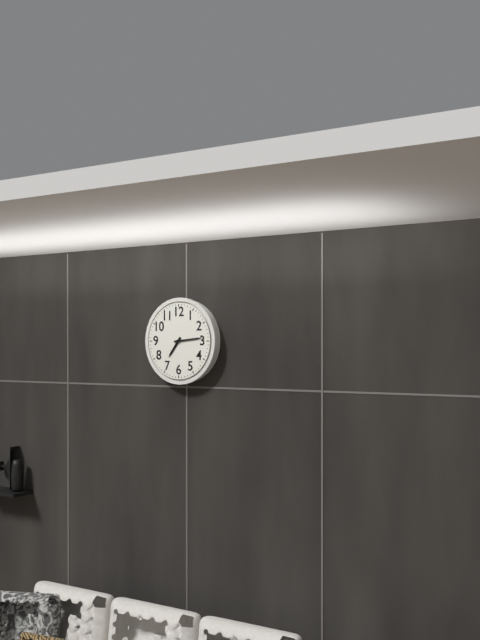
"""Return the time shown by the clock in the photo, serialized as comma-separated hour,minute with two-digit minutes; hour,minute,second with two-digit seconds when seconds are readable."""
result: 7,14
